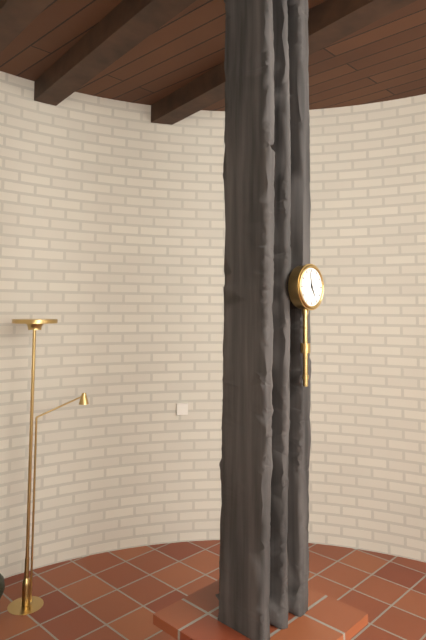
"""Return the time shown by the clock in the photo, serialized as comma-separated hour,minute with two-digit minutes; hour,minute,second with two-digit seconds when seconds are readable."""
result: 4,58
